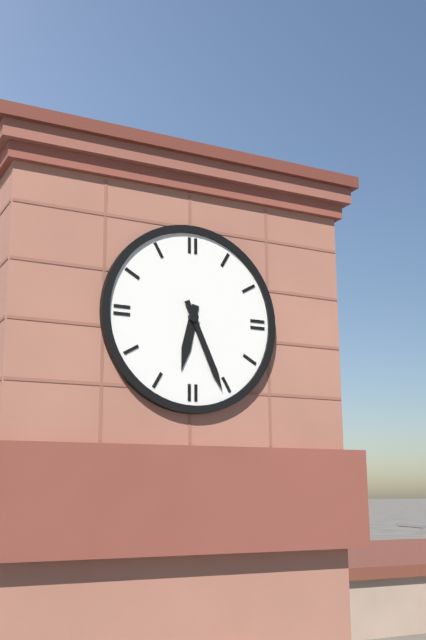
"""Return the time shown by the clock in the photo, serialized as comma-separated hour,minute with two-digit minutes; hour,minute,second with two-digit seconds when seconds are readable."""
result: 6,26
